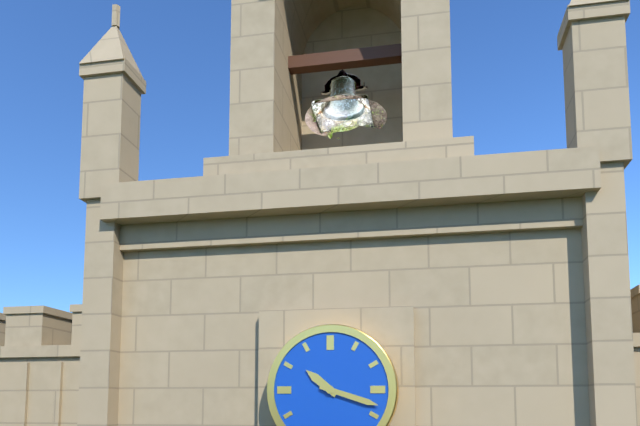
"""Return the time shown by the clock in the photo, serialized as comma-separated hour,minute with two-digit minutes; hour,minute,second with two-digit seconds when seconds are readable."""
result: 10,18
